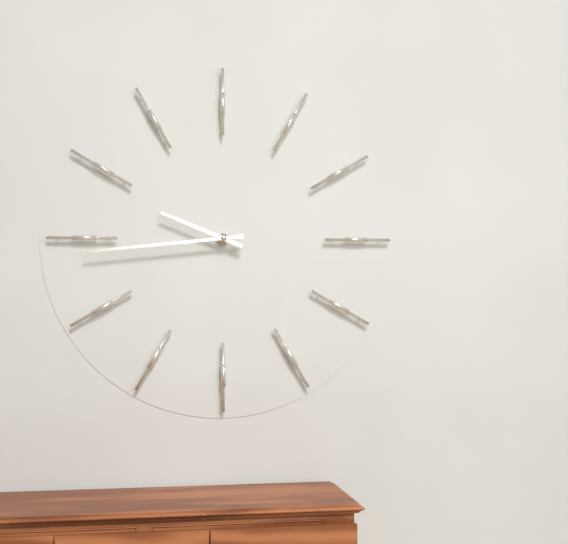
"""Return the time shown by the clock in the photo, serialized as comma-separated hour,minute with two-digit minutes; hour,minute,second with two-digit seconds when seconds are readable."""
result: 9,44
